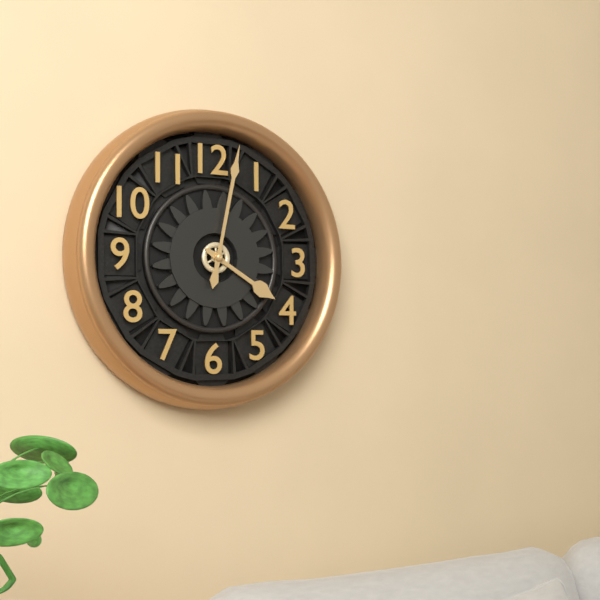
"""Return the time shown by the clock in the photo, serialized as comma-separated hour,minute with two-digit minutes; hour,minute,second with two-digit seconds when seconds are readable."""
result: 4,02
